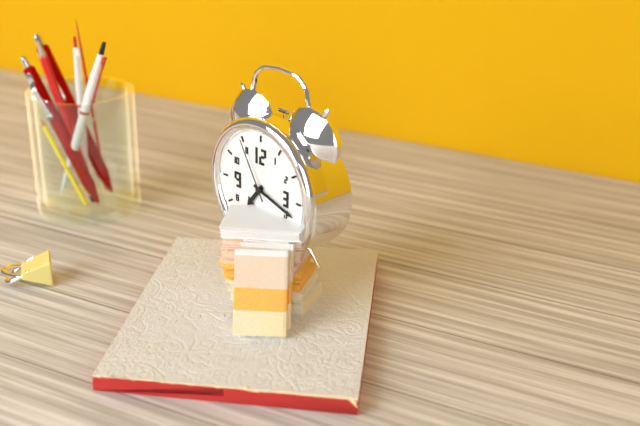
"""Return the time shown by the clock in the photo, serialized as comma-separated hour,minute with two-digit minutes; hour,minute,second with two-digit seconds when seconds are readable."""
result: 7,18,55
